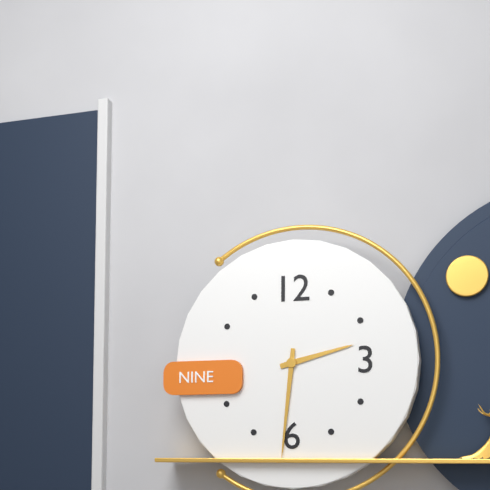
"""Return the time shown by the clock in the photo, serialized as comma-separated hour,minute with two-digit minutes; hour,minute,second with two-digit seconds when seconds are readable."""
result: 2,31
